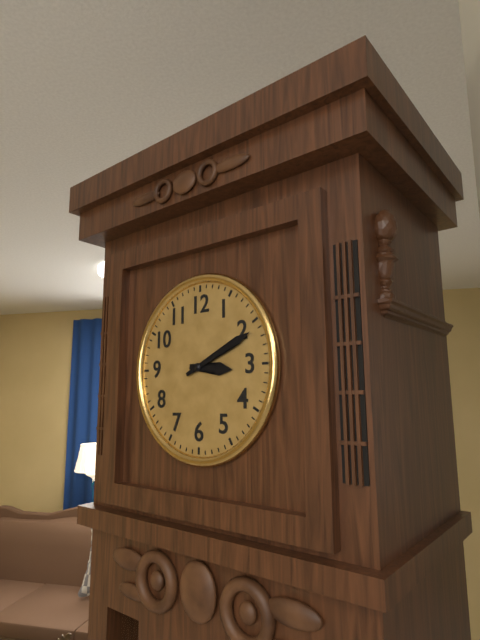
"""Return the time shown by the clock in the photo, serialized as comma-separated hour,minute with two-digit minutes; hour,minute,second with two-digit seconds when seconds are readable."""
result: 3,11
